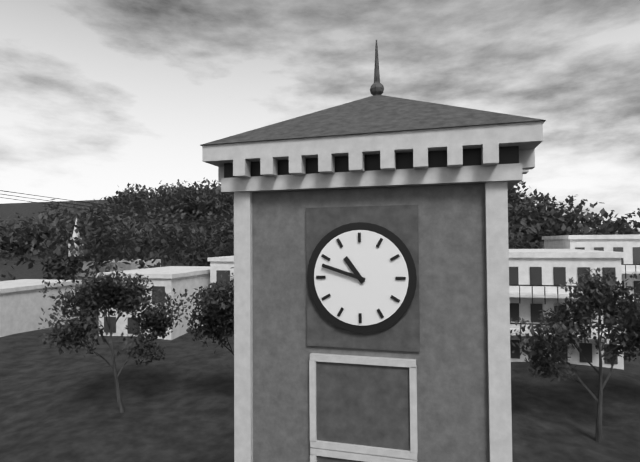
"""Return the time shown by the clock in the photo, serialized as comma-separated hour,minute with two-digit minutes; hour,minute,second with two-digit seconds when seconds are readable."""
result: 10,48
